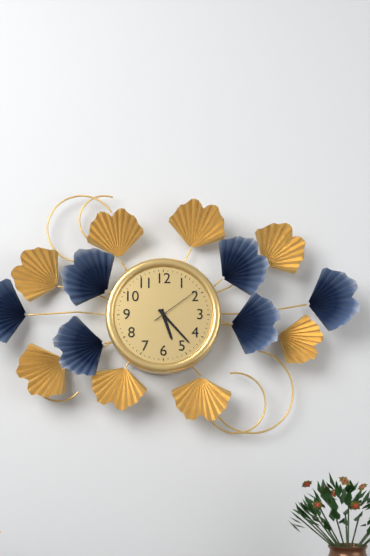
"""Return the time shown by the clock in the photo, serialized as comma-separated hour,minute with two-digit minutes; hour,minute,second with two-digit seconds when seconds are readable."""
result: 5,23,09
